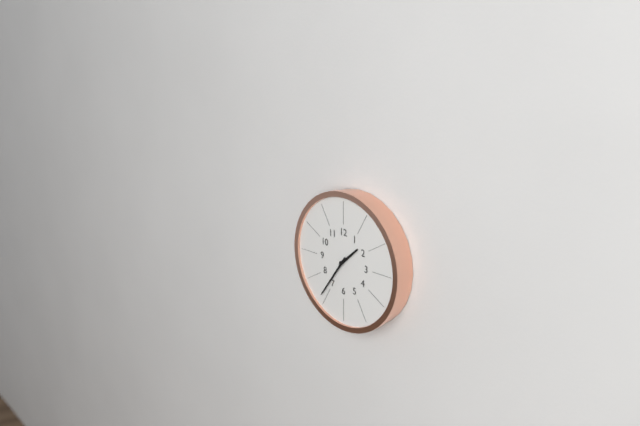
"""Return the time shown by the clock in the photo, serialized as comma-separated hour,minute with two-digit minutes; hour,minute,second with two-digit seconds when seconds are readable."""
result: 1,36
